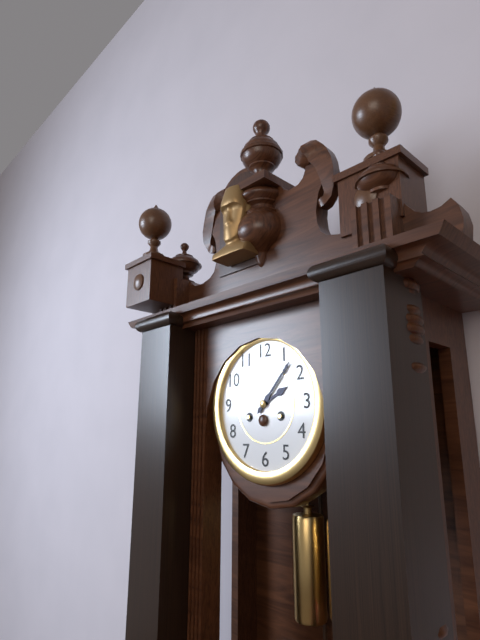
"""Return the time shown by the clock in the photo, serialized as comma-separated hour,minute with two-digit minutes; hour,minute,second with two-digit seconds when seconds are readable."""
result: 2,07
